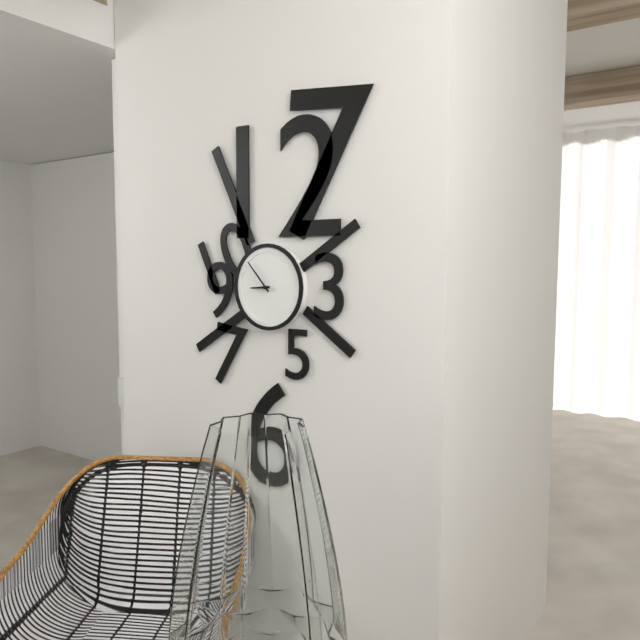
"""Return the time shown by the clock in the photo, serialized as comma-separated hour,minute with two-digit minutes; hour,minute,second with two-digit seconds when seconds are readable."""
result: 8,53
